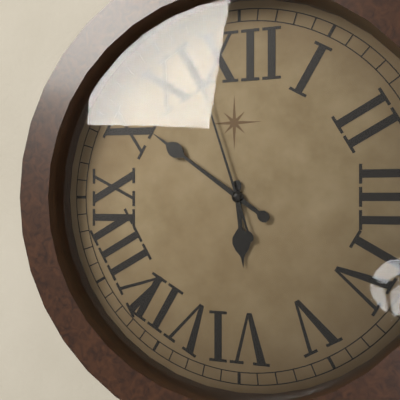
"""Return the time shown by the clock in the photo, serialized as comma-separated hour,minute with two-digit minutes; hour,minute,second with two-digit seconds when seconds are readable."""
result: 5,51,57
